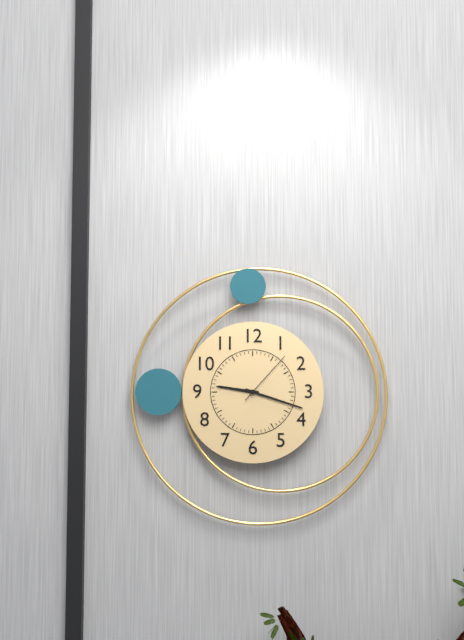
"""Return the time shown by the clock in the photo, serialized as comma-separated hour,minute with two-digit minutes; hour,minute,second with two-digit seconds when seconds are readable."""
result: 9,18,07
